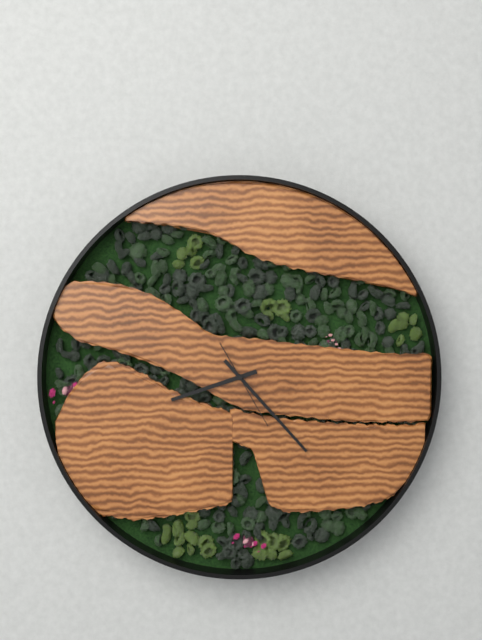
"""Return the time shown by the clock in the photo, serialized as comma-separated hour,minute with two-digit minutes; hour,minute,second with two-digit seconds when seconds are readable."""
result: 8,23,25
